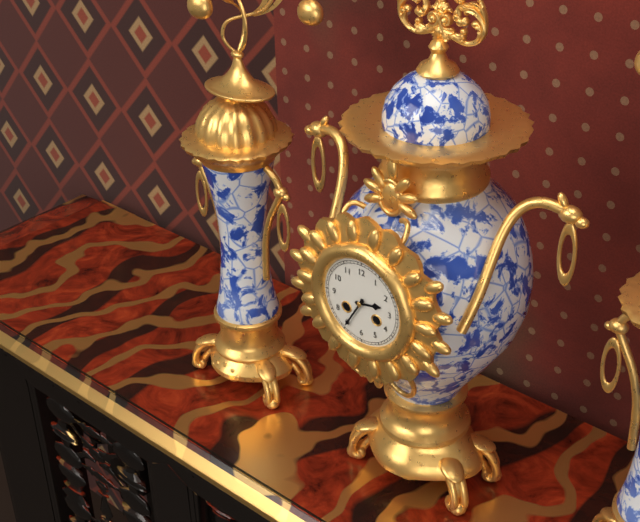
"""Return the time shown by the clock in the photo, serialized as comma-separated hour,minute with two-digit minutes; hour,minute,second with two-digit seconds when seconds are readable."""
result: 2,35
